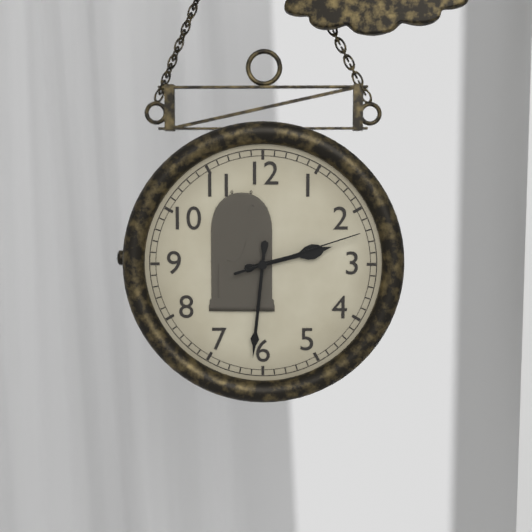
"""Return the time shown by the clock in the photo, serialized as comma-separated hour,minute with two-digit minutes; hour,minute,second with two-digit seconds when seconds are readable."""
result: 2,31,12
